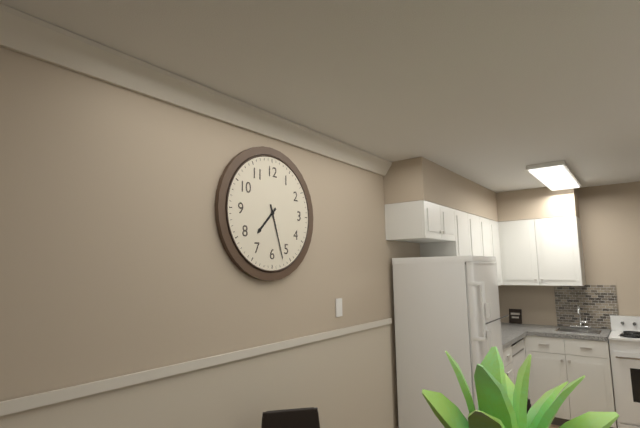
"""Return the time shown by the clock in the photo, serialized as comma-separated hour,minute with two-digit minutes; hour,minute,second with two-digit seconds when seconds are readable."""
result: 7,27
